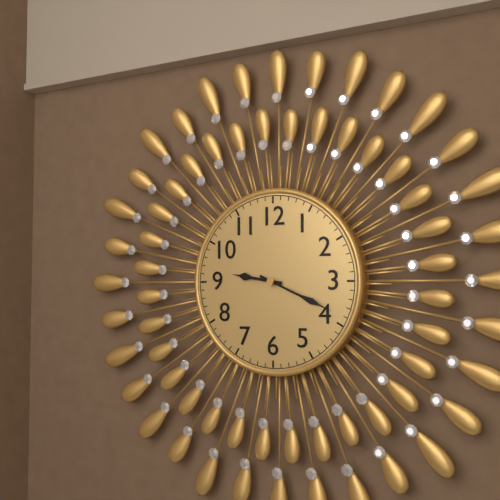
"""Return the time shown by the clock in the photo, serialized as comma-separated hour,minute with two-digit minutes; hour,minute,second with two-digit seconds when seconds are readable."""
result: 9,19
